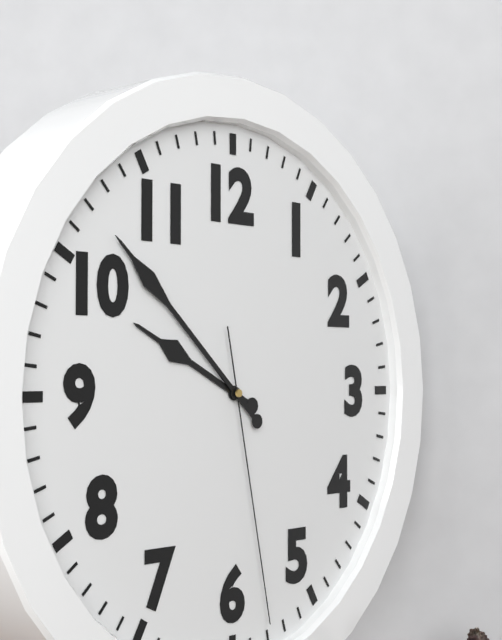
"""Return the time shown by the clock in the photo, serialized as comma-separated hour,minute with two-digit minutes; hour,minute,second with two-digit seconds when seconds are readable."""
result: 9,52,28
